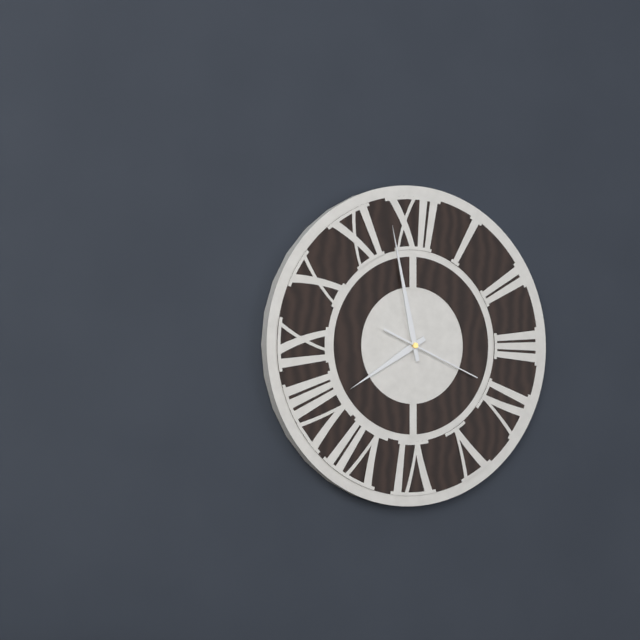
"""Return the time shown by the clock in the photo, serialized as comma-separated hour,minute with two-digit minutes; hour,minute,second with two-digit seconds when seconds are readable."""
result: 7,58,19
